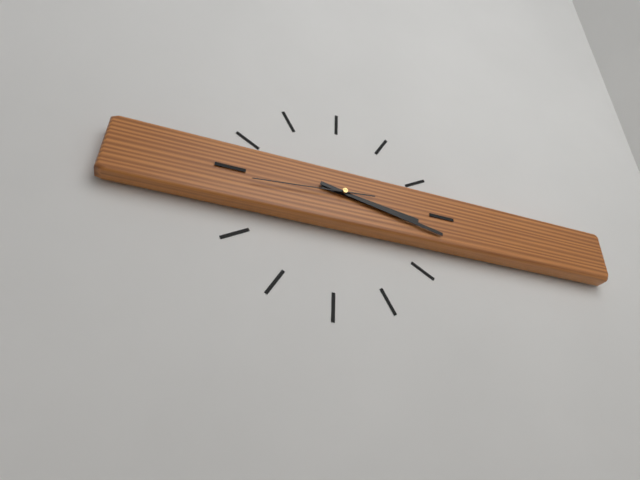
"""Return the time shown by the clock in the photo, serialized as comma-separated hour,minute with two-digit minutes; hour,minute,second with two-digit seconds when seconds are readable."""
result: 3,17,44
